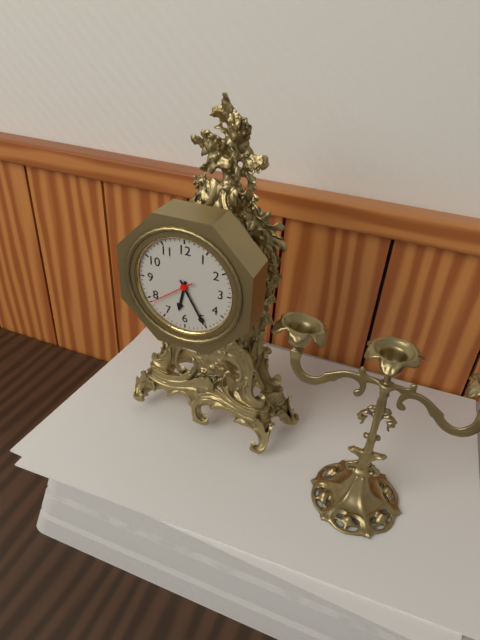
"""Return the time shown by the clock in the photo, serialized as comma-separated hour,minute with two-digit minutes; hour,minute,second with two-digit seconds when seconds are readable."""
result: 6,25
